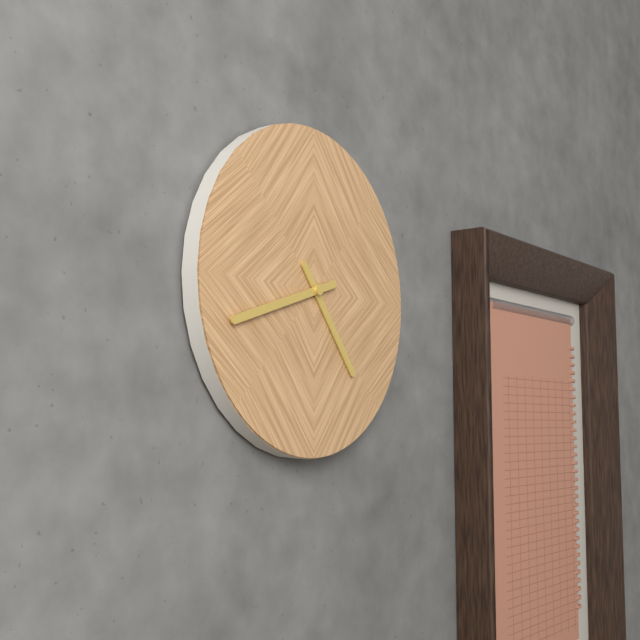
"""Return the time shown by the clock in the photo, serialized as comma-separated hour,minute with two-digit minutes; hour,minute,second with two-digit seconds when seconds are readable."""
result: 4,42
